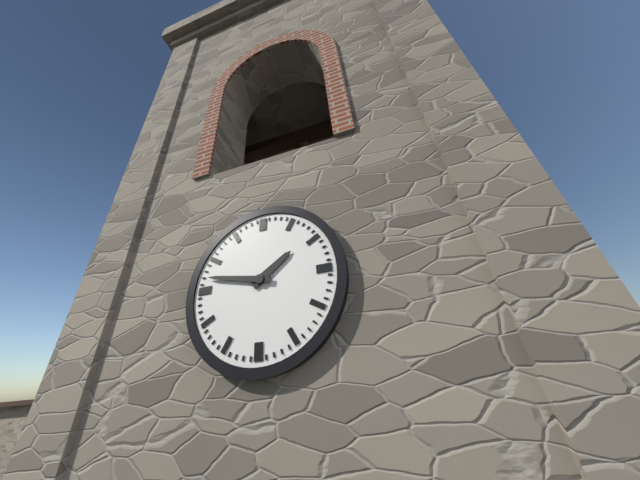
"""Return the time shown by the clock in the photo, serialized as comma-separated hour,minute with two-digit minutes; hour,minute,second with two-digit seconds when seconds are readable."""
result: 1,47
